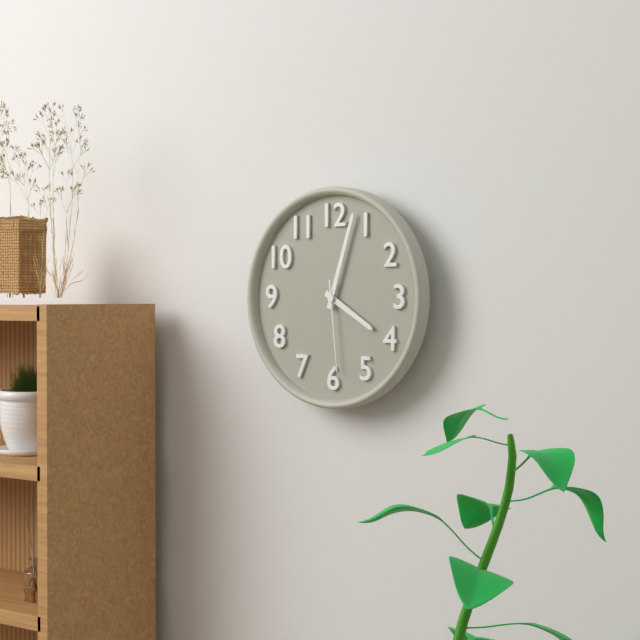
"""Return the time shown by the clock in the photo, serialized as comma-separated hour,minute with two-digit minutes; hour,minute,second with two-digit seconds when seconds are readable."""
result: 4,03,29
